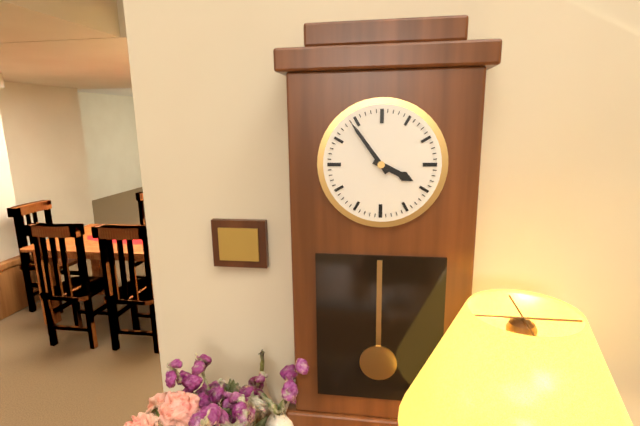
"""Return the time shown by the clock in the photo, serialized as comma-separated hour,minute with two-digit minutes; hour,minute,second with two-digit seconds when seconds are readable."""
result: 3,54
